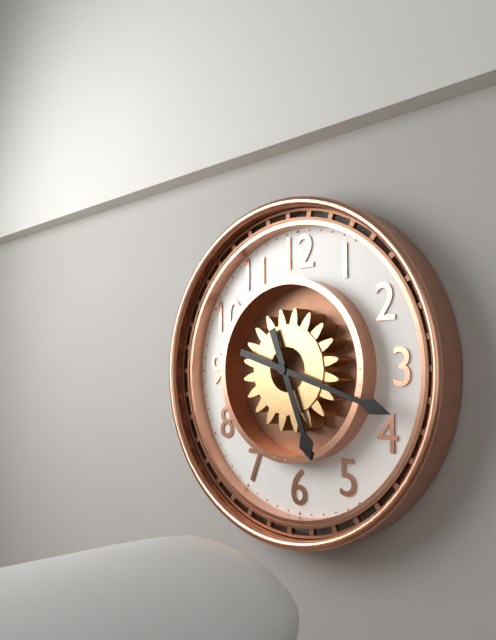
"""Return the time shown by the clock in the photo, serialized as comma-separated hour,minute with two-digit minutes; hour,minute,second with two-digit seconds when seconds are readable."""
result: 5,18
